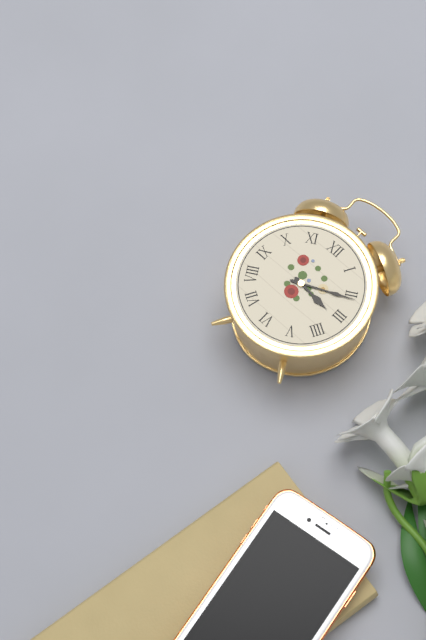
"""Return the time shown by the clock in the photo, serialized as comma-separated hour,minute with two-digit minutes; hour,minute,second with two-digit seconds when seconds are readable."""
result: 3,11
